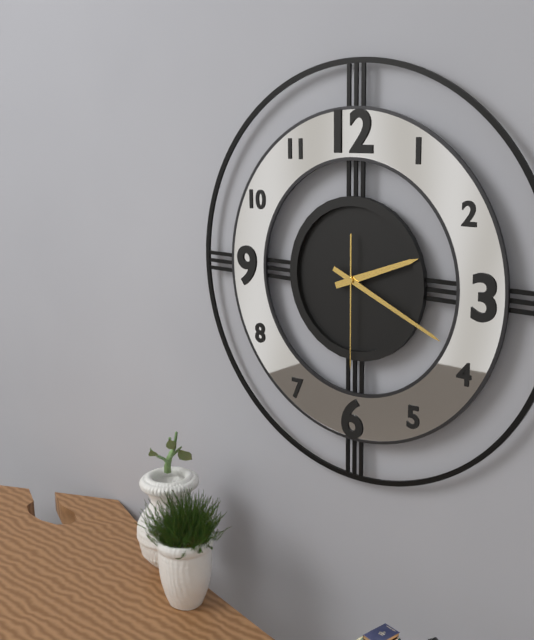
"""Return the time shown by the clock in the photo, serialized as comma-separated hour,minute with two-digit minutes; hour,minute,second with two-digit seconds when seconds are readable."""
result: 2,19,30
